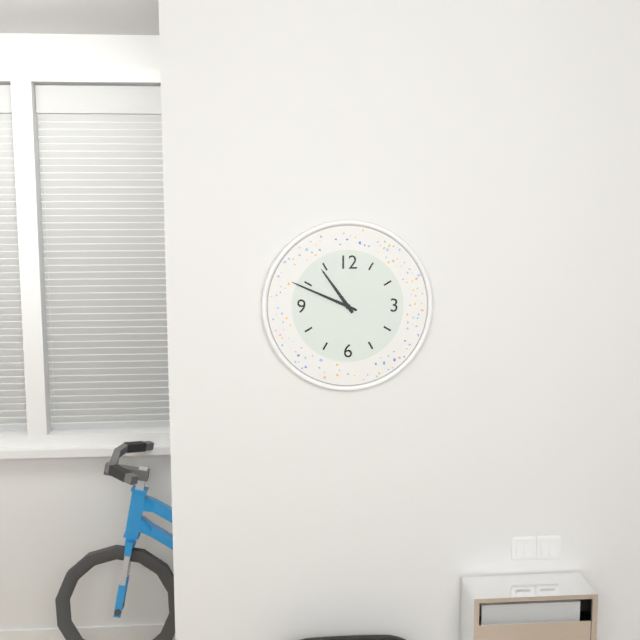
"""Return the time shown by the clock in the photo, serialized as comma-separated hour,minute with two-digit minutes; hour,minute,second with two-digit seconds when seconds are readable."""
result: 10,49
